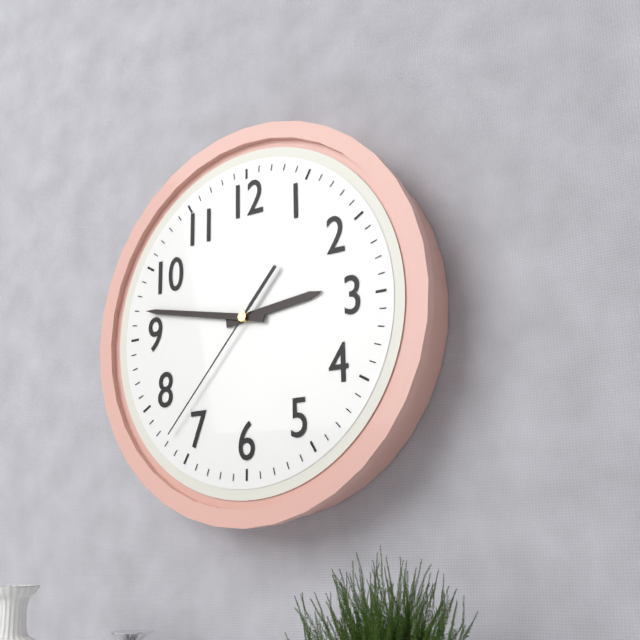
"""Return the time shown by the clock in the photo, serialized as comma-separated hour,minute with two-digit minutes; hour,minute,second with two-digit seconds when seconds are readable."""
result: 2,47,37
